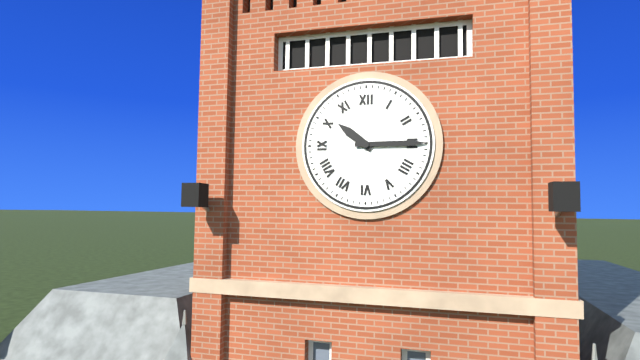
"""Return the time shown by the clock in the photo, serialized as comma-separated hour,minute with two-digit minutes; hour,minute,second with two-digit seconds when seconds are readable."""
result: 10,15
